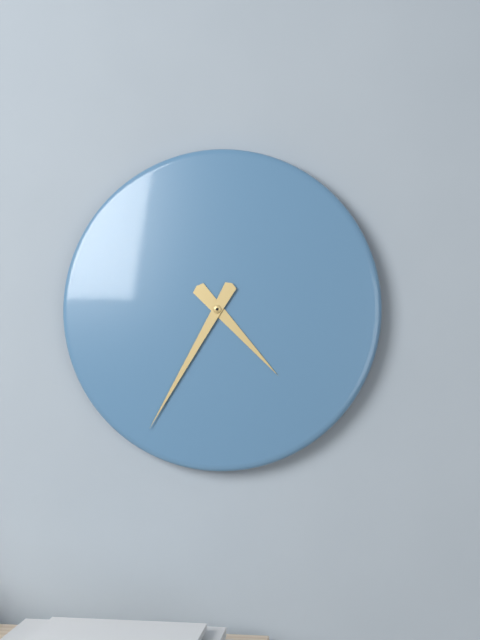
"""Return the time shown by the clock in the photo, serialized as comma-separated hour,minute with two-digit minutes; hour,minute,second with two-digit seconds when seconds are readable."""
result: 4,35
